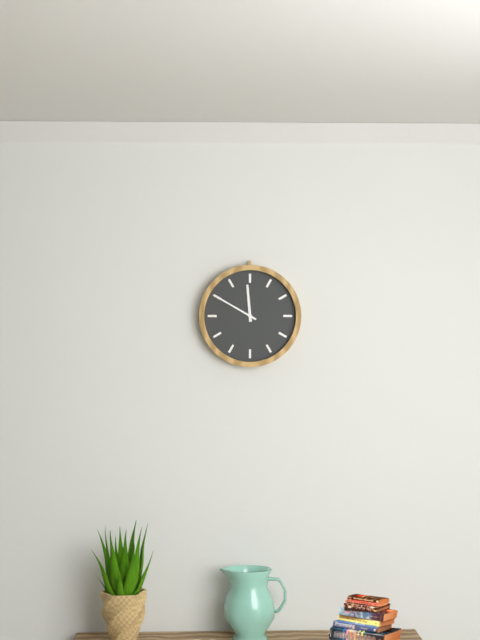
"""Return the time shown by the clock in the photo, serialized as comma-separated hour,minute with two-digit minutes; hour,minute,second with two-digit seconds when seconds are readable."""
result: 11,50
